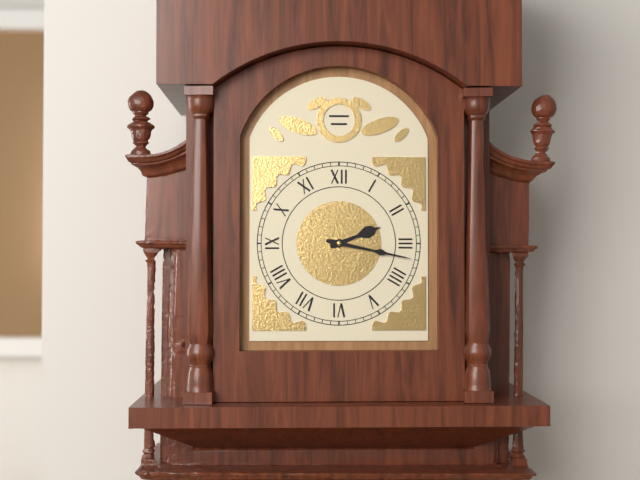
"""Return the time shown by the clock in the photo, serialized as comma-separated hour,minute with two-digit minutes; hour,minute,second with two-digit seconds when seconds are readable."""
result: 2,17
